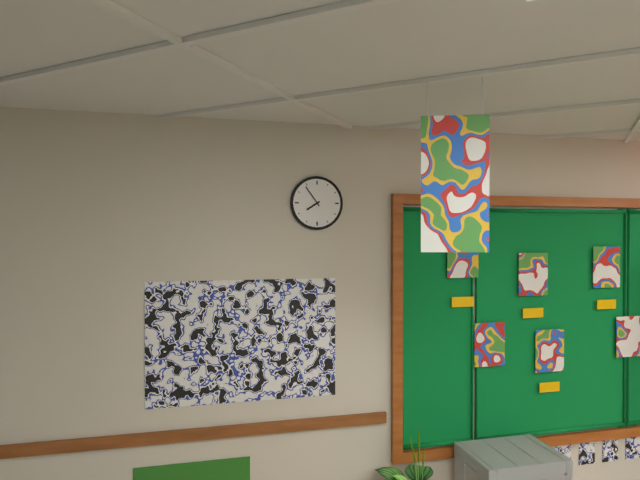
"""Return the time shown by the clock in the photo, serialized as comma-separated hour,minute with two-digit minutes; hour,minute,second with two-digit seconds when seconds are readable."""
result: 7,54
